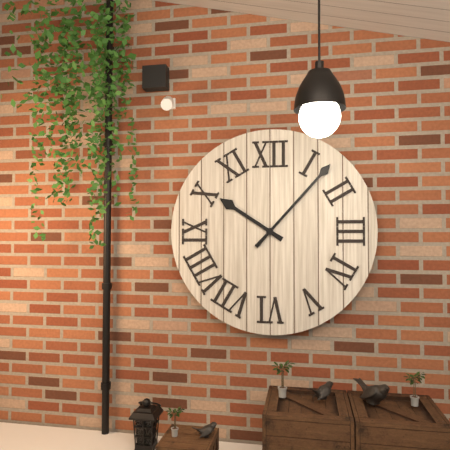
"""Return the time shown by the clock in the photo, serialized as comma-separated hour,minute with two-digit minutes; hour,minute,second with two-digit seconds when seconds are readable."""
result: 10,07
